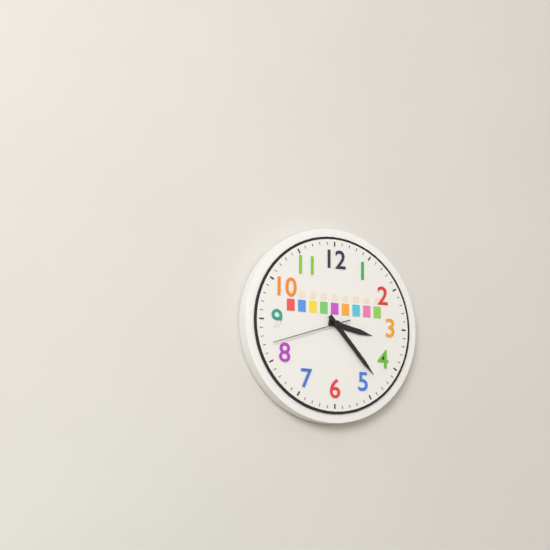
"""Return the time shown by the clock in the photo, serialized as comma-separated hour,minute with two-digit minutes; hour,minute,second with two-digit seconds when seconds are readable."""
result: 3,23,42
